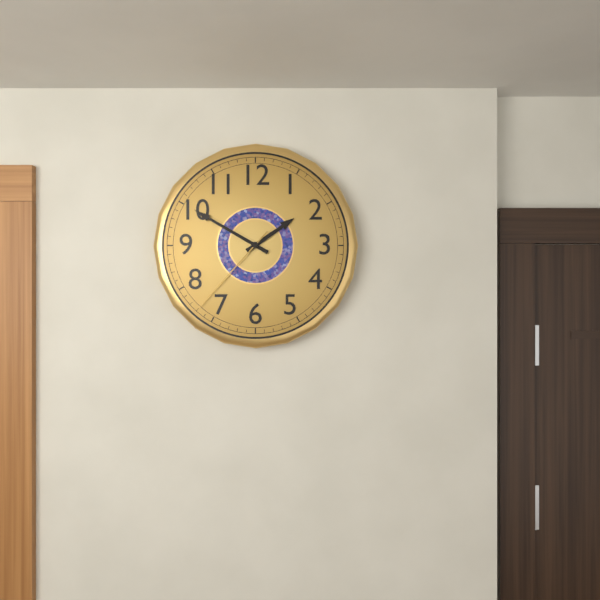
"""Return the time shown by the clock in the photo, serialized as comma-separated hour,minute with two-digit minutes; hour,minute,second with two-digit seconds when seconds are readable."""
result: 1,50,37
